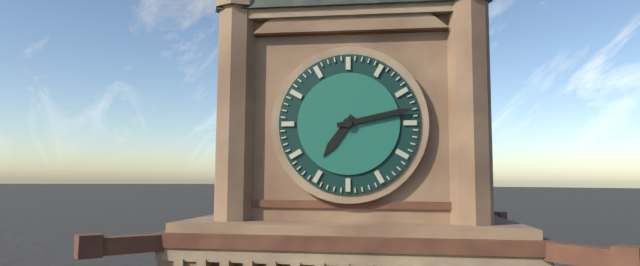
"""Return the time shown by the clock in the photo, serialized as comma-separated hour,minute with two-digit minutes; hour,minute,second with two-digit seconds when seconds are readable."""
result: 7,13
